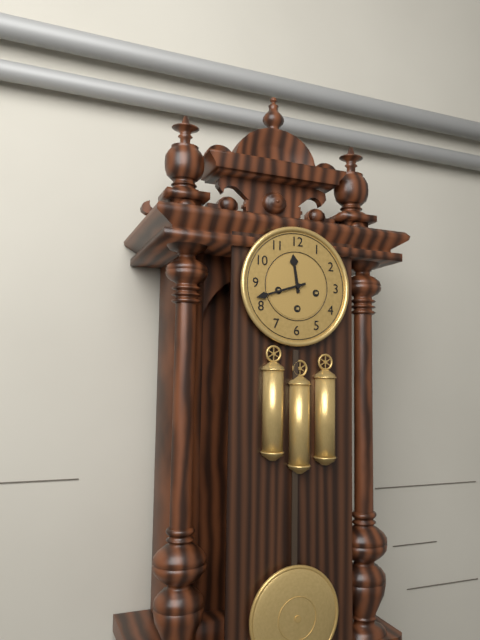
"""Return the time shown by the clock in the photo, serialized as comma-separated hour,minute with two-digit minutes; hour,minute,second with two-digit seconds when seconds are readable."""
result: 11,42
